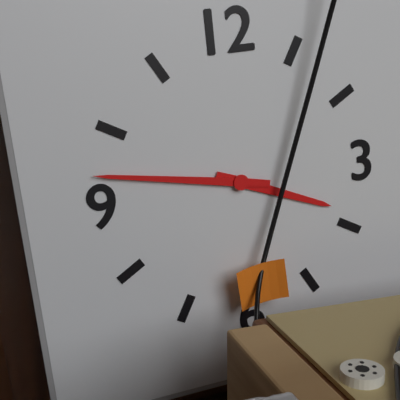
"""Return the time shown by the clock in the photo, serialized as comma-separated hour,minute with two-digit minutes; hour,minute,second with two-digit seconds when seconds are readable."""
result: 3,47
